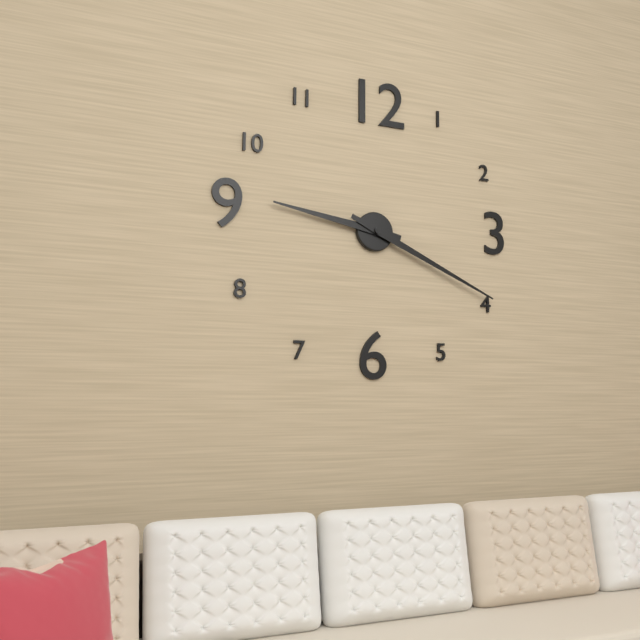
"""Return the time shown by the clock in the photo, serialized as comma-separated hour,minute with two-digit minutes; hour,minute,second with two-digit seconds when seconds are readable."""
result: 9,19
